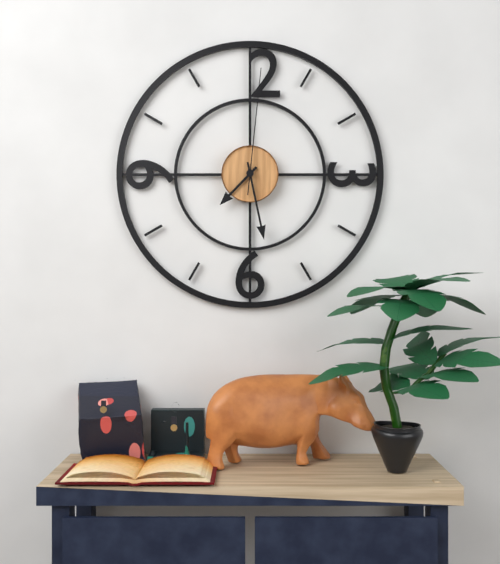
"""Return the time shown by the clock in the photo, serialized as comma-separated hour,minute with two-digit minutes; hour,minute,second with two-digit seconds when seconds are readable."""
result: 7,28,01
